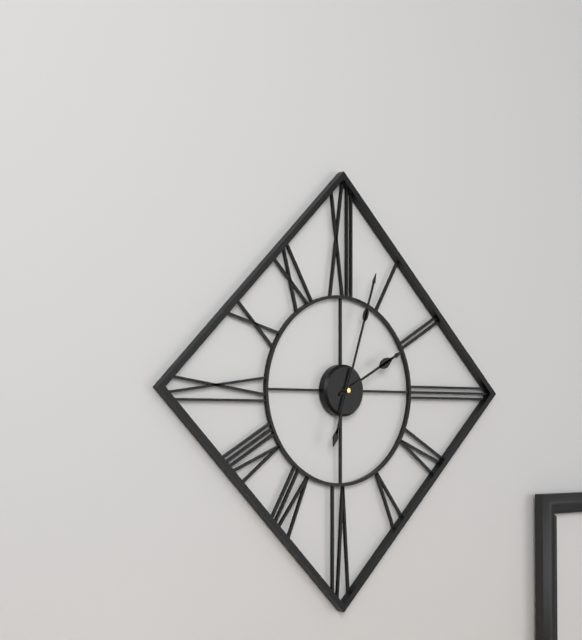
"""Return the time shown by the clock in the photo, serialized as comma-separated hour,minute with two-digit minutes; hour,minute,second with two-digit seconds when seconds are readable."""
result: 2,03
